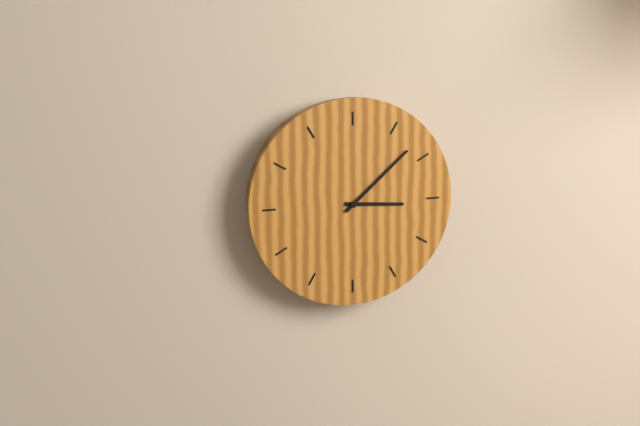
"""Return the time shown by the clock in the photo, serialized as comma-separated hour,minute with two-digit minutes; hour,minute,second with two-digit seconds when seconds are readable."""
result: 3,08
